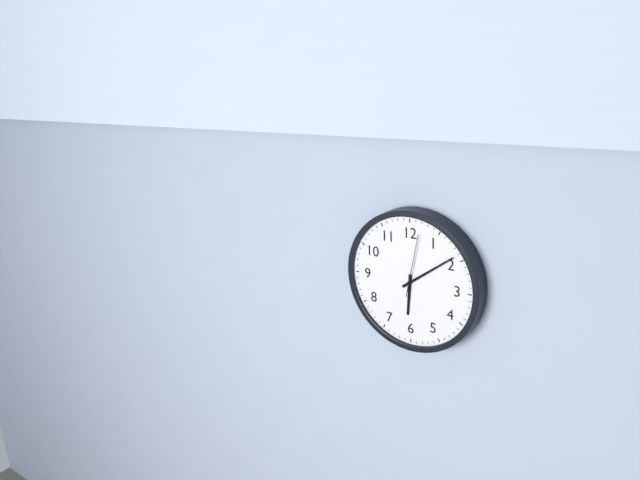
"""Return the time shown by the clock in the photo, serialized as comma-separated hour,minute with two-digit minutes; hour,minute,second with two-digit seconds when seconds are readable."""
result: 6,09,02
